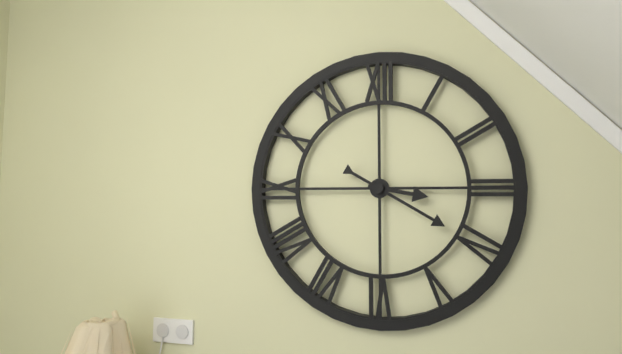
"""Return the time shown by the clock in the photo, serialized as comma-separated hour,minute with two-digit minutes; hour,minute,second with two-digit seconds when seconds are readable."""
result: 3,20
